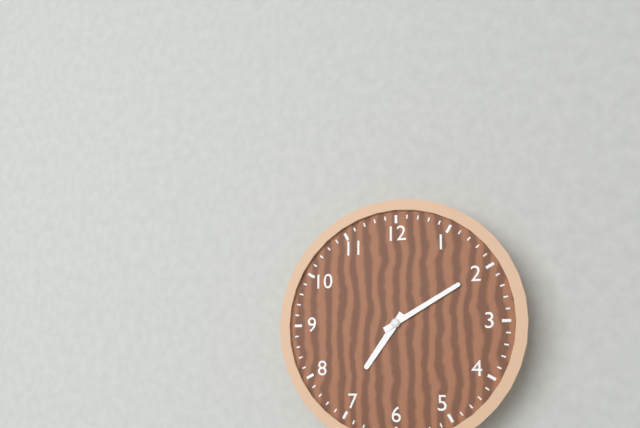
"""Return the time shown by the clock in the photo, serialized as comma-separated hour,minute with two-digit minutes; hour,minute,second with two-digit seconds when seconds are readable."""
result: 7,10
